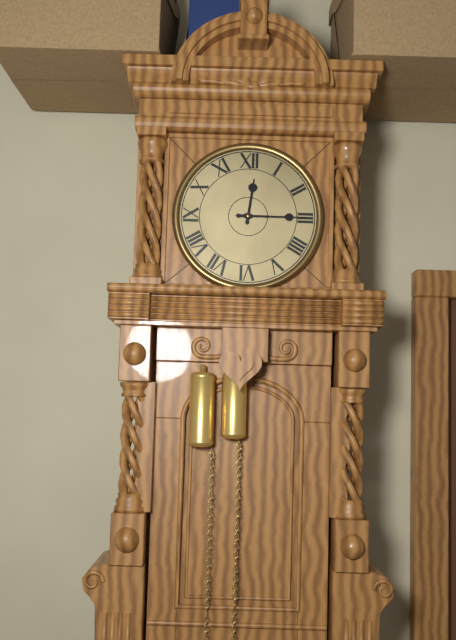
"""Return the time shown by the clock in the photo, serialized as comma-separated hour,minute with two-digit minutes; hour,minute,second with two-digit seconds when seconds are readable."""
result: 12,15
